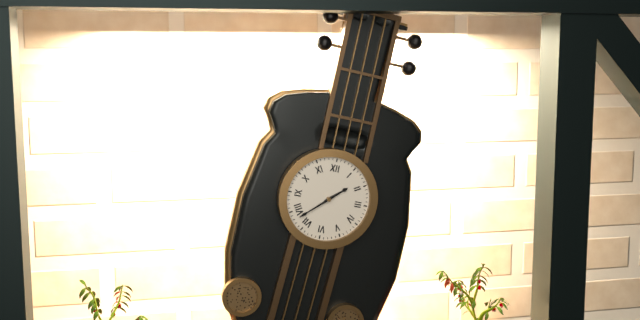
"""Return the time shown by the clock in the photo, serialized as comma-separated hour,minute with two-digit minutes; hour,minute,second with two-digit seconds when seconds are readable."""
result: 1,38
